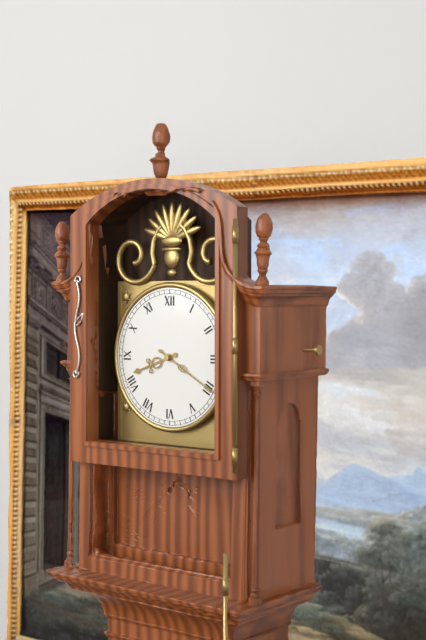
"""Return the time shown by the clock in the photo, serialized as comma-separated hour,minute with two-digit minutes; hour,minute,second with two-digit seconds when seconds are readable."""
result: 8,20
